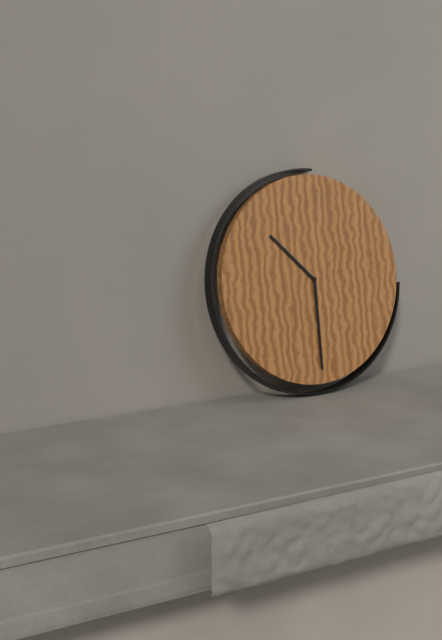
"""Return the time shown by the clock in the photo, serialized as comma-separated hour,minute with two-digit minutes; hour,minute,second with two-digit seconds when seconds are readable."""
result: 10,30
